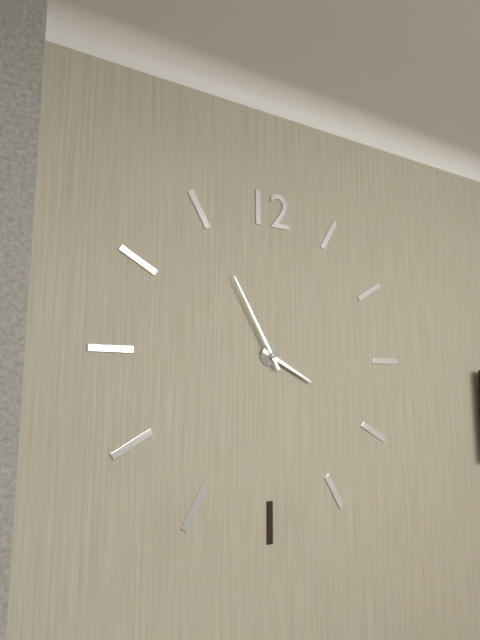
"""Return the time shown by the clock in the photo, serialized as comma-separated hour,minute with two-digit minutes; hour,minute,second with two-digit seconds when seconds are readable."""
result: 3,55
